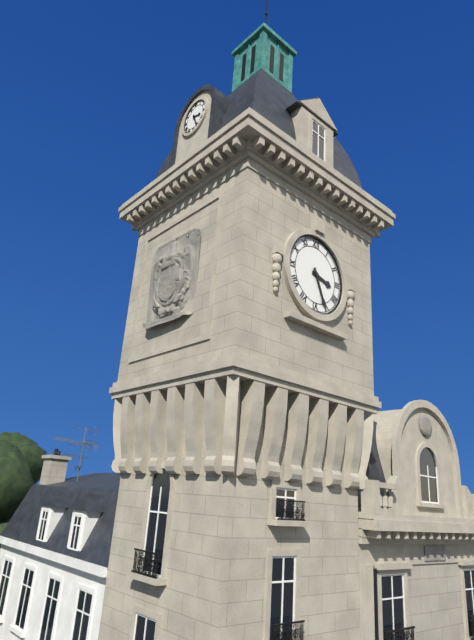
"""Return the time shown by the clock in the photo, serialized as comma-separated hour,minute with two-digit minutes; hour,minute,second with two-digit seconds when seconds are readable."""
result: 3,26
